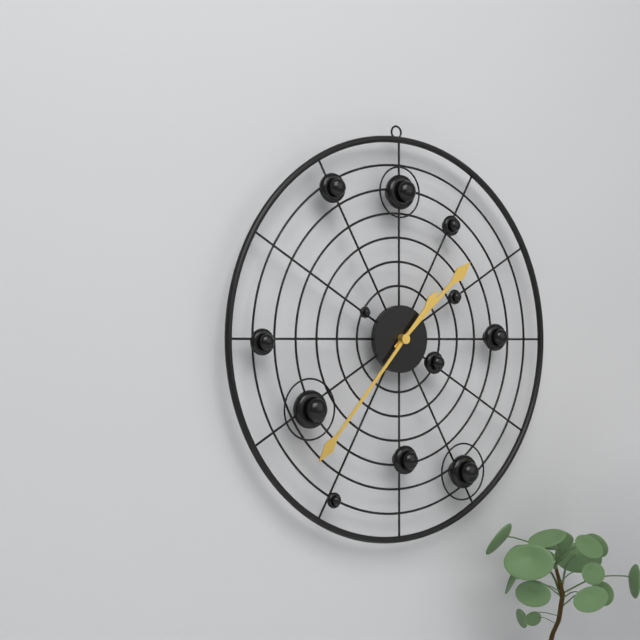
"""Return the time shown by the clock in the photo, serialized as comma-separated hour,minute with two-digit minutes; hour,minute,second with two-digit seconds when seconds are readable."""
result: 1,37
